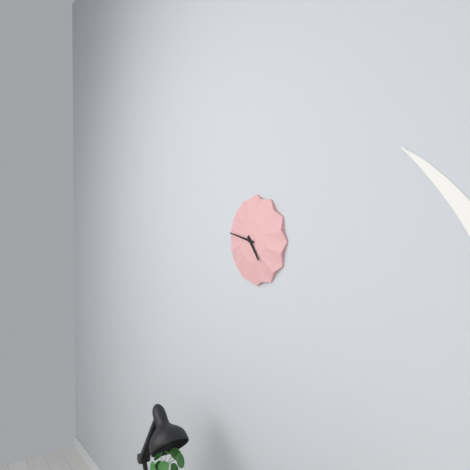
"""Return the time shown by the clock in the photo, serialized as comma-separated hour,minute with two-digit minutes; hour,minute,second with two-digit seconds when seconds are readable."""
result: 4,47
